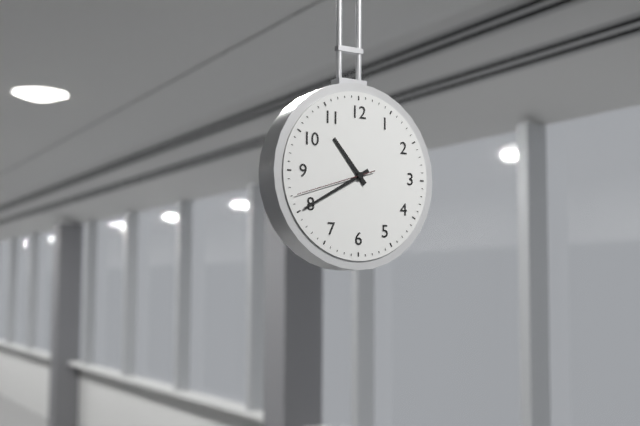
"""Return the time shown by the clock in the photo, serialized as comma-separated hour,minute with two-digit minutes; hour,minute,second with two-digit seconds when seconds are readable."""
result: 10,40,42
